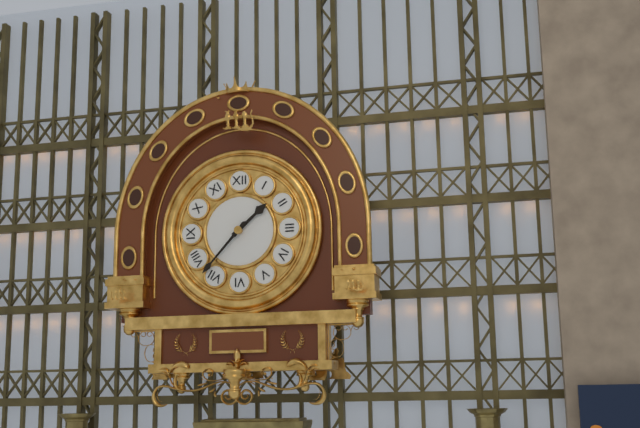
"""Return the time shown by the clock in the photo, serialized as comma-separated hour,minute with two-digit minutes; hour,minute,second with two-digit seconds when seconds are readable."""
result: 1,37
